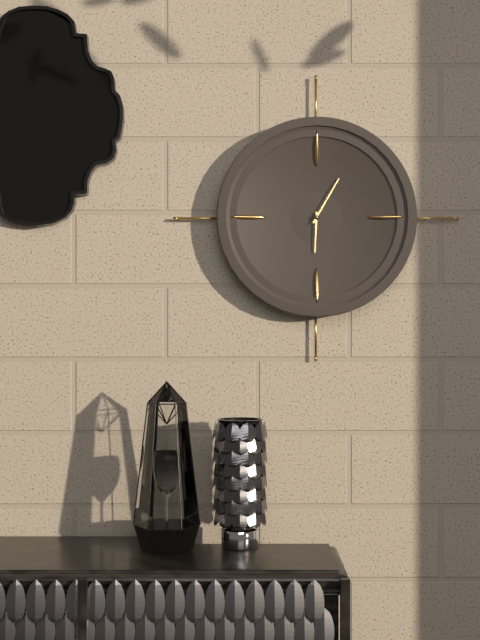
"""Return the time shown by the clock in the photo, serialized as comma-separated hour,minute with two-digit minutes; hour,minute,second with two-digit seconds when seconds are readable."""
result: 6,05
